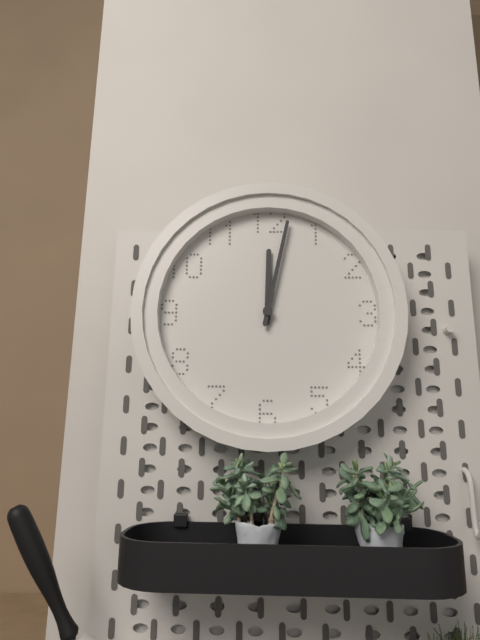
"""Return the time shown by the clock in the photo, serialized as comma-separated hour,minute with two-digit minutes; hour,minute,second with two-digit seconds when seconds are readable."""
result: 12,02
